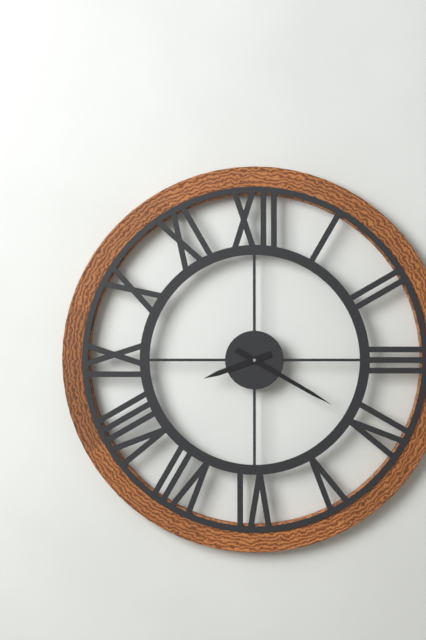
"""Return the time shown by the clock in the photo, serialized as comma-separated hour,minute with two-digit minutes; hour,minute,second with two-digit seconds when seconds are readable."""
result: 8,20
